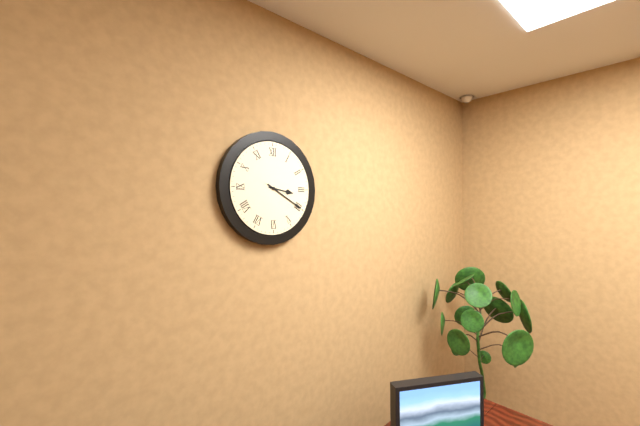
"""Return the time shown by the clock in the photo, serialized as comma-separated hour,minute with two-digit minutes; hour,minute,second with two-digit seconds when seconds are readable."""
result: 3,20
